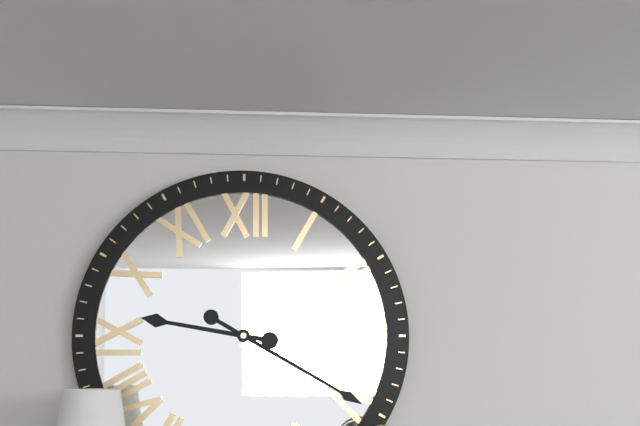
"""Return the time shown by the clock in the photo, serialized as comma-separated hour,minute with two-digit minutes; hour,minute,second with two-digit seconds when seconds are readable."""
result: 9,20
